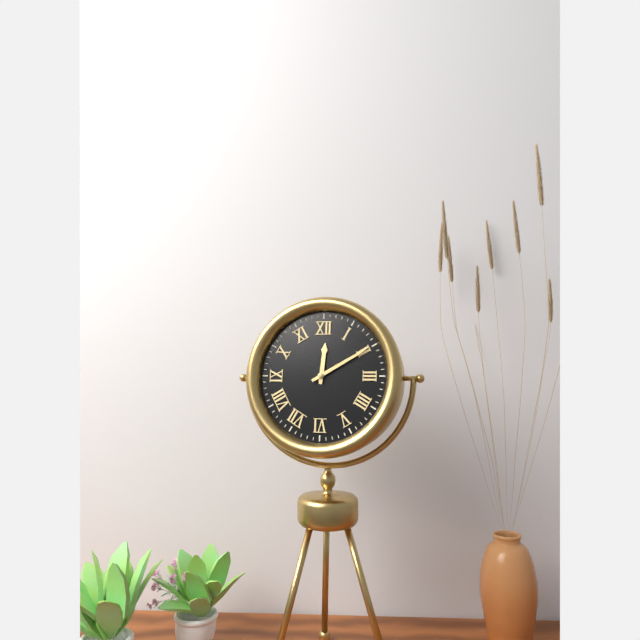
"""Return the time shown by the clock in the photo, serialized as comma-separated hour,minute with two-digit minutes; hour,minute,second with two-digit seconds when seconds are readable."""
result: 12,10
